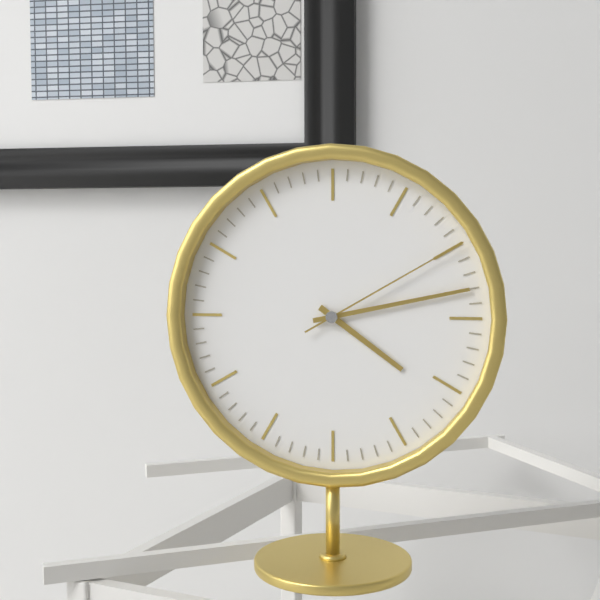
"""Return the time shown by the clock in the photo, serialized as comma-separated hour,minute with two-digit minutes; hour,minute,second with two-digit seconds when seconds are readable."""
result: 4,13,10
